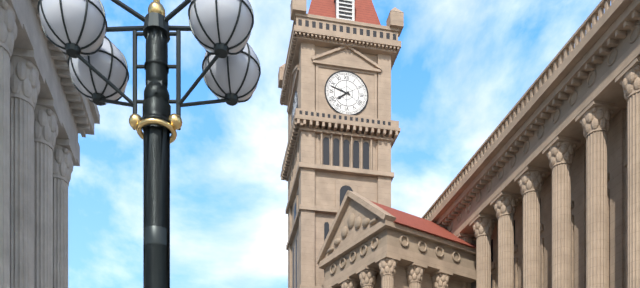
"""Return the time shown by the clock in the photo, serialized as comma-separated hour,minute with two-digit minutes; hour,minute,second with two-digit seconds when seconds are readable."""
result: 7,48
